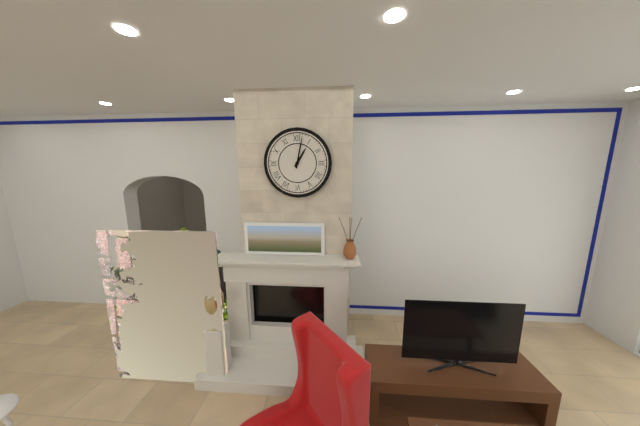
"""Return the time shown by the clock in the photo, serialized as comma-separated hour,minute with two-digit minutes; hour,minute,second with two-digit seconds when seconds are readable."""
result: 1,02
